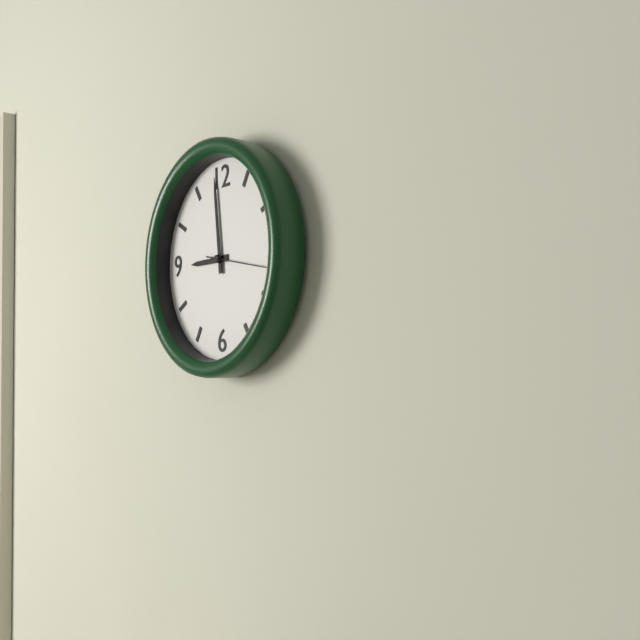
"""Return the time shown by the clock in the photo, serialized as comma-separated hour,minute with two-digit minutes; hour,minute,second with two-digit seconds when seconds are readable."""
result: 8,59,17
